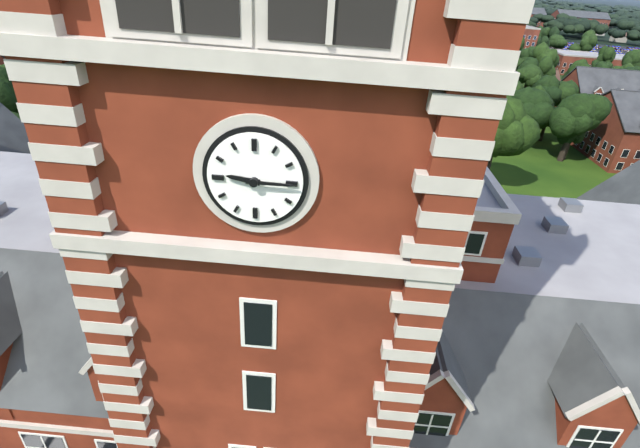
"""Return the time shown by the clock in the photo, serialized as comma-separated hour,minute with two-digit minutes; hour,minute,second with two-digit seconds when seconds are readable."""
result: 9,15
